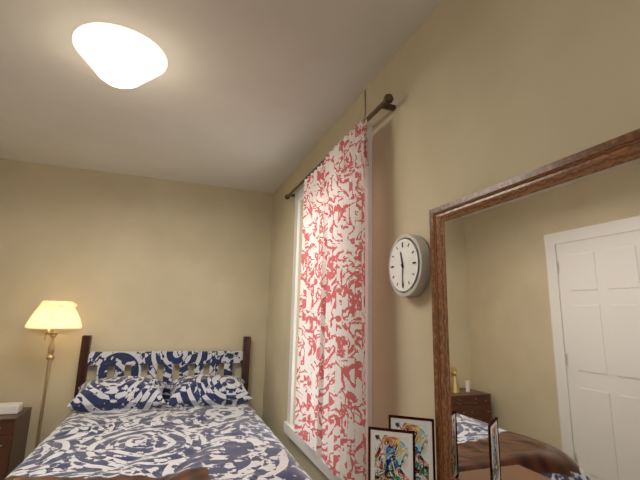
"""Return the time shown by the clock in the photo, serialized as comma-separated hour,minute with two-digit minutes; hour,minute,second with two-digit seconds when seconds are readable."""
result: 11,30
